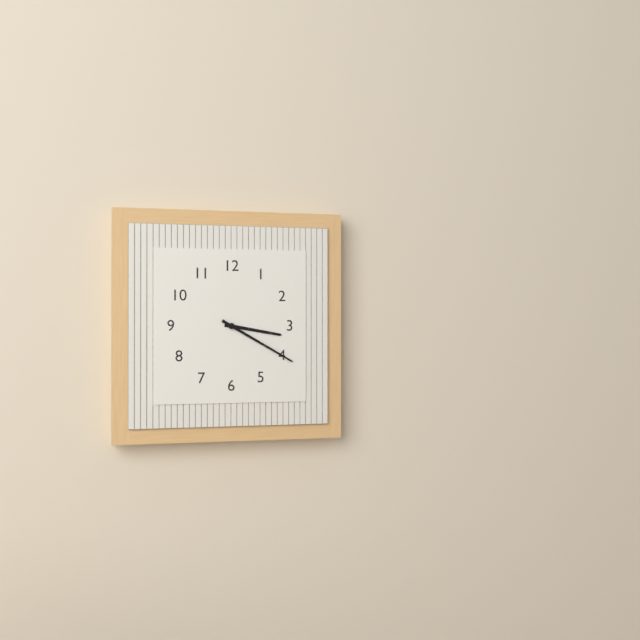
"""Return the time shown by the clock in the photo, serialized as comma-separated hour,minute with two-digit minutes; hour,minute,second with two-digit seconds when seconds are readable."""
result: 3,20
